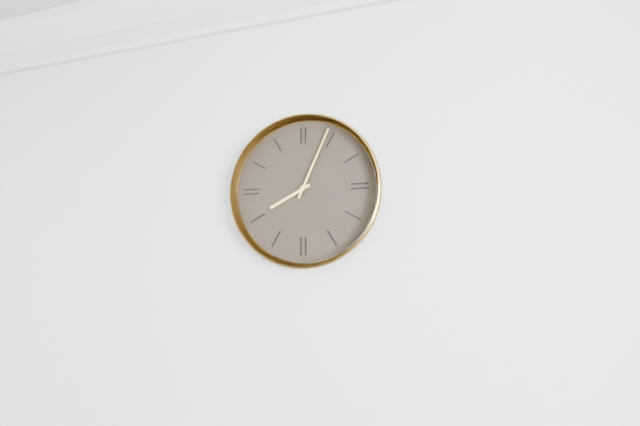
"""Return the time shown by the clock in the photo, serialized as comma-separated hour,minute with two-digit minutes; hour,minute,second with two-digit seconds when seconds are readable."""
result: 8,04
